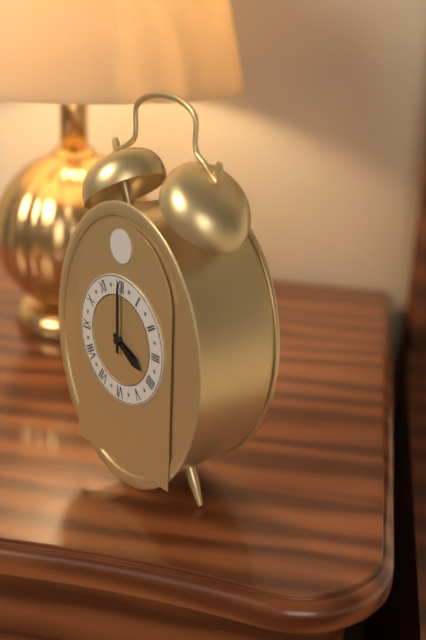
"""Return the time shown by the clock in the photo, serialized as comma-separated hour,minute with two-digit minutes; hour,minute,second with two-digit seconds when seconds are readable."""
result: 4,00
